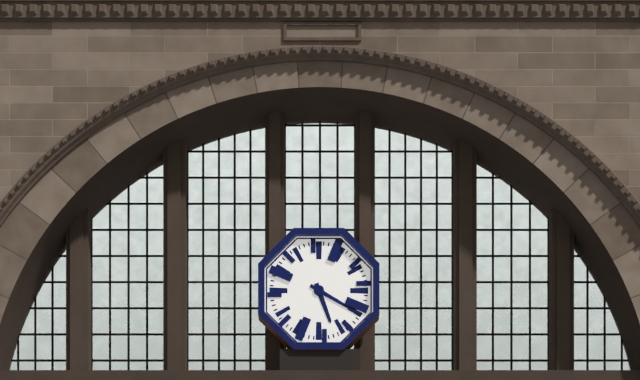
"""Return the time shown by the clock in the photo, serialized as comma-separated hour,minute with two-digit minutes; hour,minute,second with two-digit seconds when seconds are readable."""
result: 5,20
